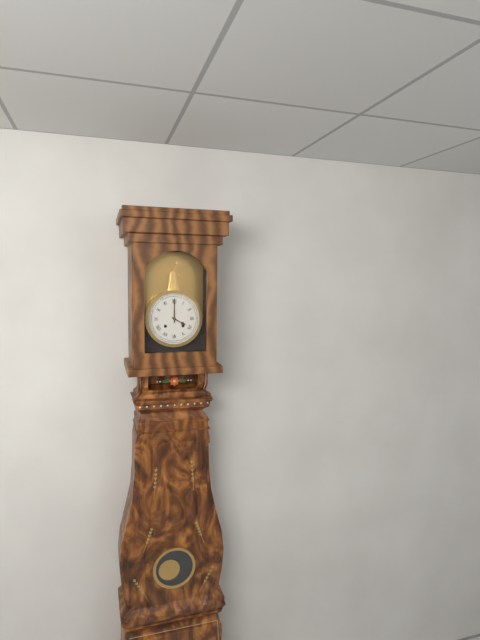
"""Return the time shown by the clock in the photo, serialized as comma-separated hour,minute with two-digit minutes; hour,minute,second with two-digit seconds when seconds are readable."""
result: 4,00
